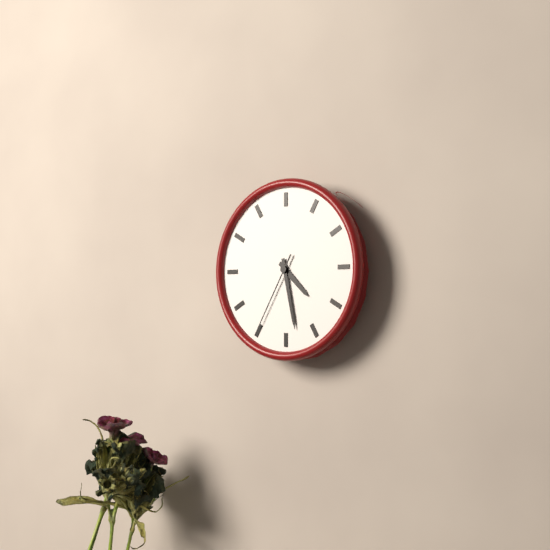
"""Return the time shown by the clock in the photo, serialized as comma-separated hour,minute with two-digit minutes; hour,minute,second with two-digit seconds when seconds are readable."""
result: 4,28,35
